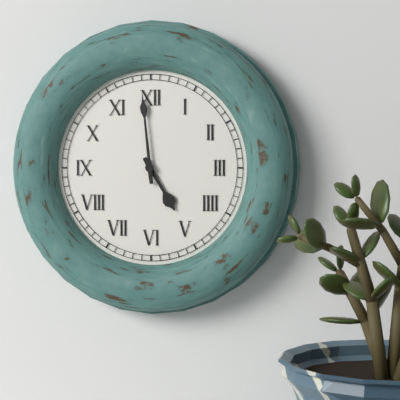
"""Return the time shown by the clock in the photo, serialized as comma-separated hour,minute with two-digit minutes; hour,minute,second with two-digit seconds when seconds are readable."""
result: 4,59
